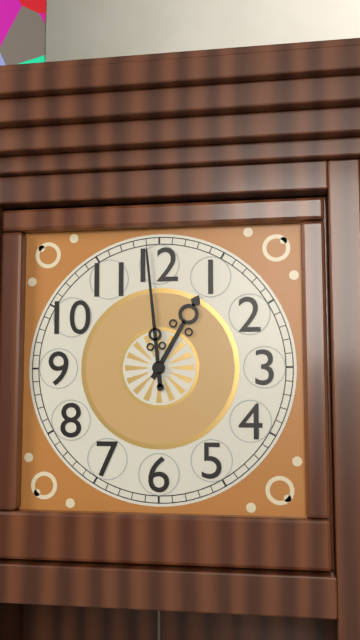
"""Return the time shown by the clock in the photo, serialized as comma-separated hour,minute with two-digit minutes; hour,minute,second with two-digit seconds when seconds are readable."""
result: 12,59
